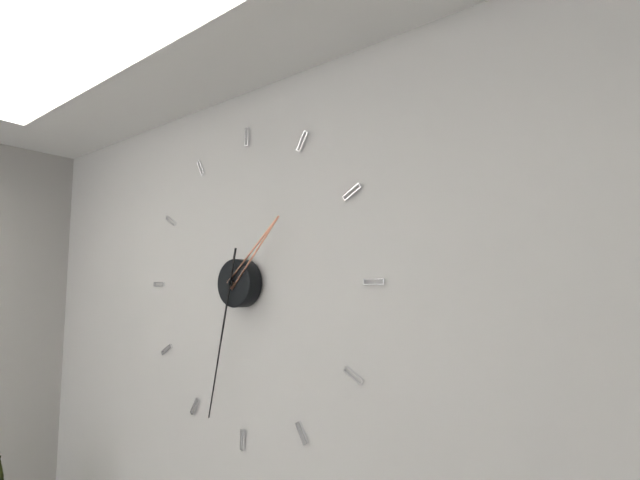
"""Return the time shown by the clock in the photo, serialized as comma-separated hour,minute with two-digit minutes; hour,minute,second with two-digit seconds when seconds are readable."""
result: 1,32
